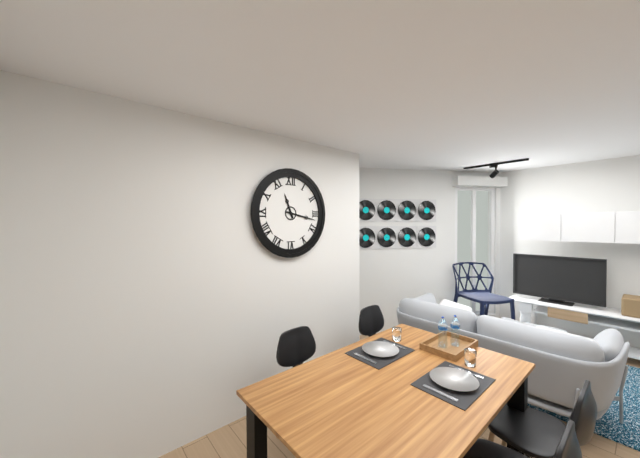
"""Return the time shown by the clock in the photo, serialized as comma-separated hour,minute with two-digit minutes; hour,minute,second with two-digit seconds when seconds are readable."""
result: 11,17
